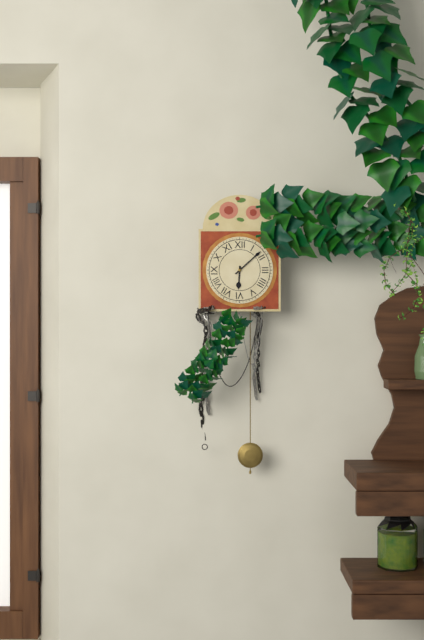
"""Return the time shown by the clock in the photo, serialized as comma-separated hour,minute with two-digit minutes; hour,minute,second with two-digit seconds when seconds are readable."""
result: 6,08
